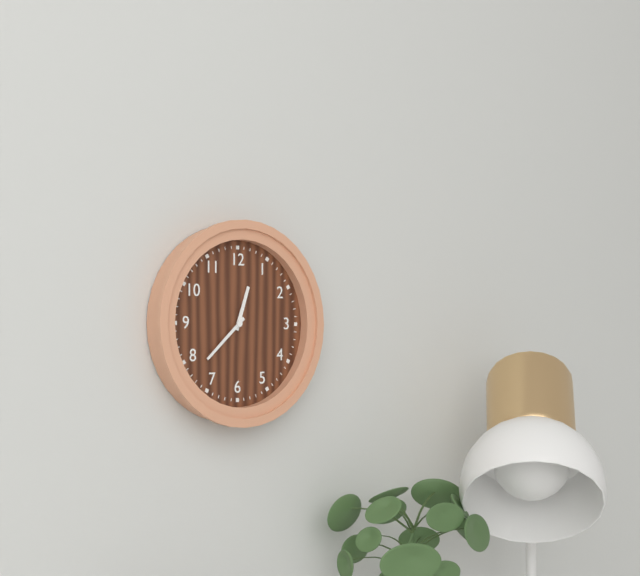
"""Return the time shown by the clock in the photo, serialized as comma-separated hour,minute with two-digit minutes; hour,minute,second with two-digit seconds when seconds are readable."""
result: 12,38
